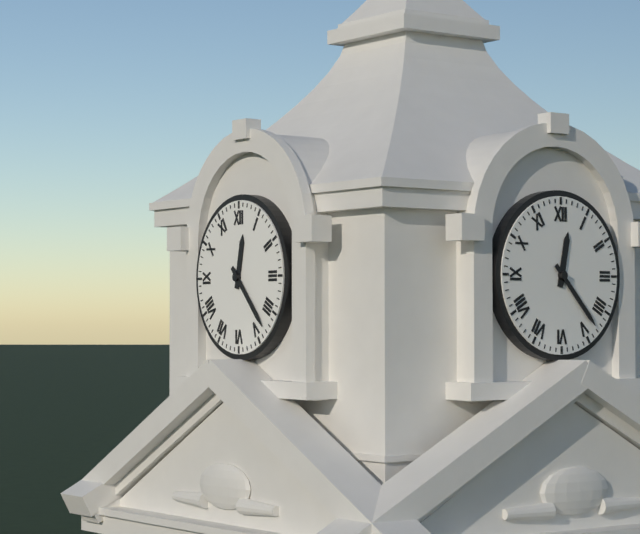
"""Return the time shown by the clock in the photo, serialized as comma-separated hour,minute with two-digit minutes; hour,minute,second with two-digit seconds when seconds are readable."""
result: 12,23
